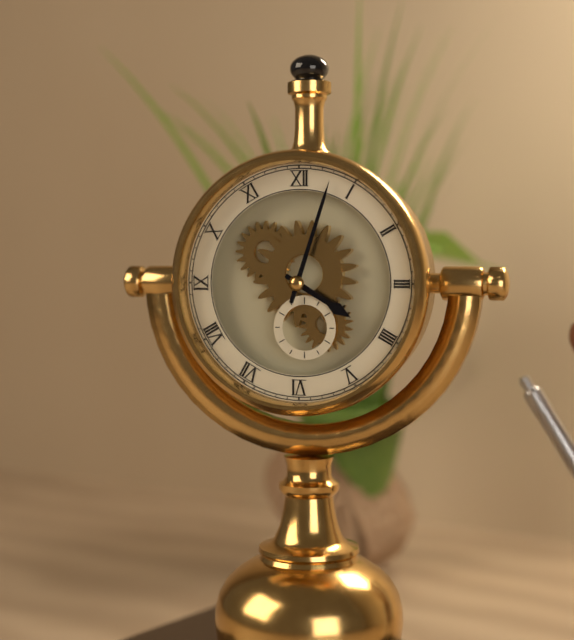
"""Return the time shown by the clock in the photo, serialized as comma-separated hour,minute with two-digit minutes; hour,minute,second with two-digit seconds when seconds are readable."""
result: 4,03
